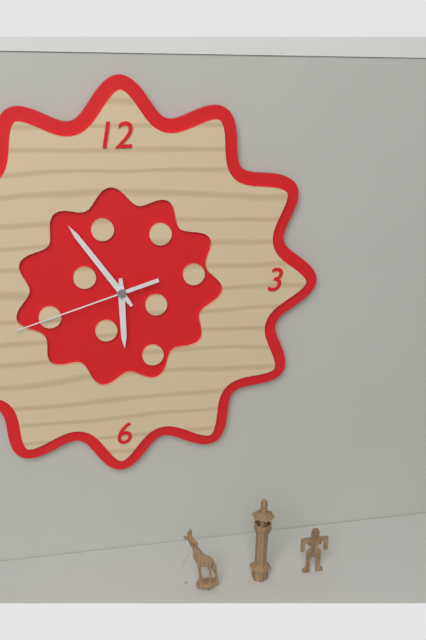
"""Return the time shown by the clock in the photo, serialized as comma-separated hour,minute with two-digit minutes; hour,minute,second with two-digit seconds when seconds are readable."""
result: 5,54,42
